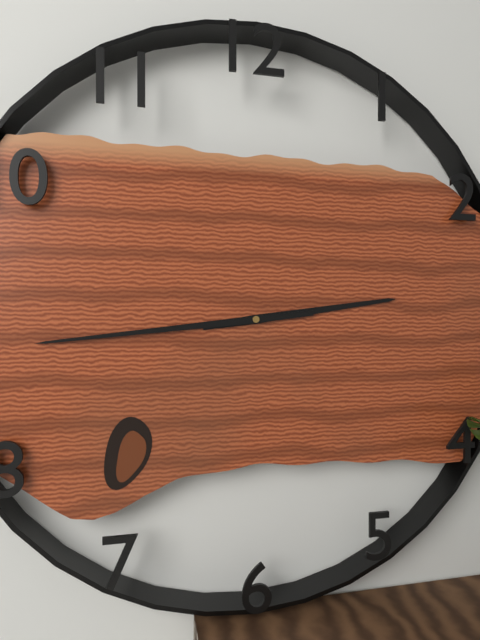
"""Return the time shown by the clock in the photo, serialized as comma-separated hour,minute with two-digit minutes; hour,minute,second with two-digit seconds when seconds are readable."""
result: 2,44
